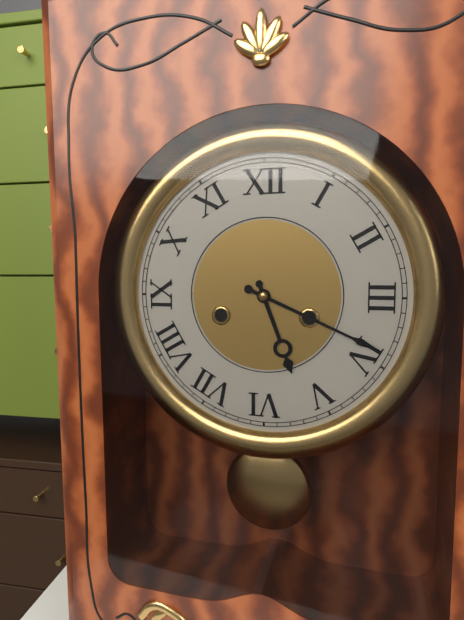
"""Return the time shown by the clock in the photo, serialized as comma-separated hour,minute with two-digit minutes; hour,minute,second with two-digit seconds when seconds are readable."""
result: 5,19
